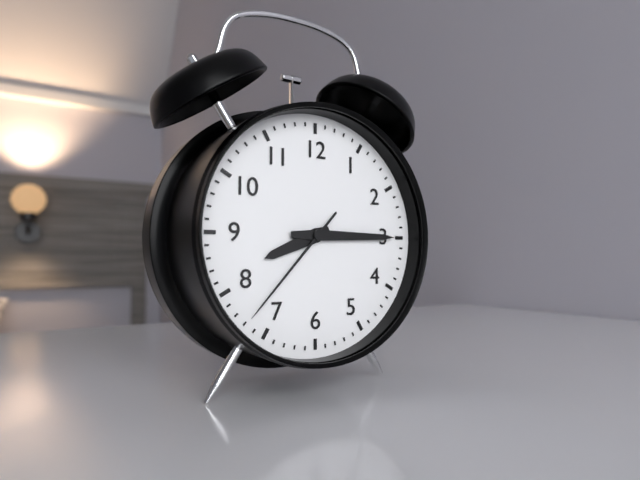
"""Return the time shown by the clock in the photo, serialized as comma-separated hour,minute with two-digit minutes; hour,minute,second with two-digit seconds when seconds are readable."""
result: 8,15,37
